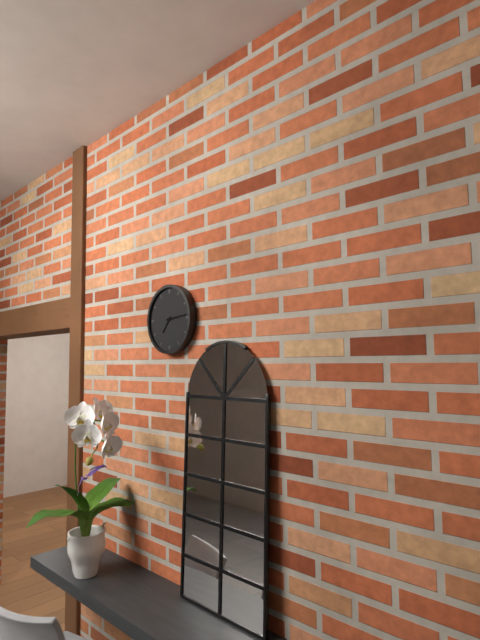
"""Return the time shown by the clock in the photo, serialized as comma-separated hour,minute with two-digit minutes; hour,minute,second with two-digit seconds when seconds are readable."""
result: 7,14
